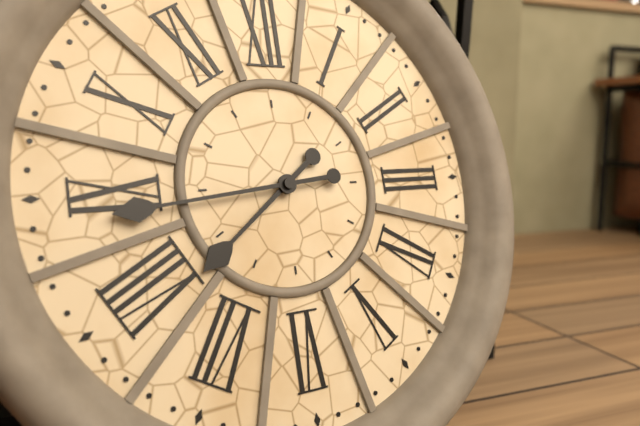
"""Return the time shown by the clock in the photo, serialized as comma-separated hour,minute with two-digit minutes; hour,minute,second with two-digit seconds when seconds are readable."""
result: 7,44
